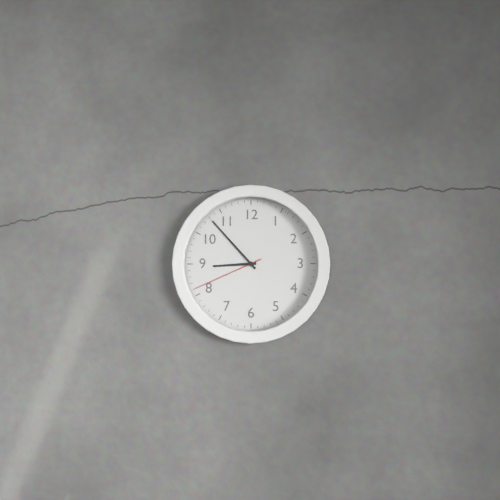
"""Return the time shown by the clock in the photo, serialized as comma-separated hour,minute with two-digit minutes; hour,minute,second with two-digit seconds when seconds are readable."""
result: 8,53,41
